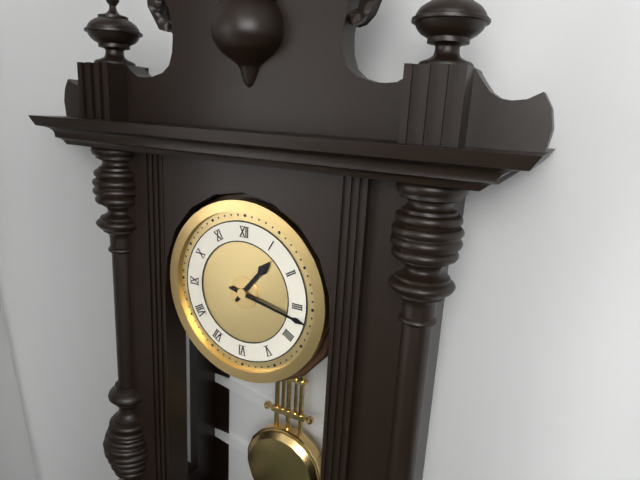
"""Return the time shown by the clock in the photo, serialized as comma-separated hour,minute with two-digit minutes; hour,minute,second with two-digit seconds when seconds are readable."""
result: 1,17
